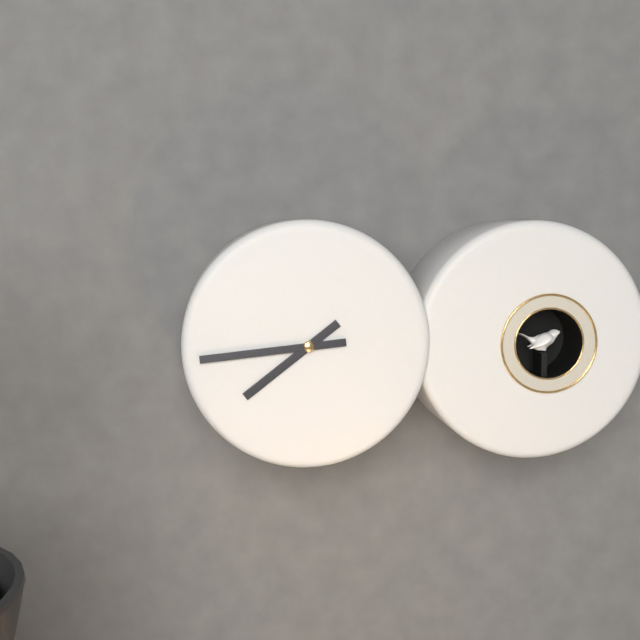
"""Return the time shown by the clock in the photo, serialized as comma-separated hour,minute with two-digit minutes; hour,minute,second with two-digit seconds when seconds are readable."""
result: 7,44
